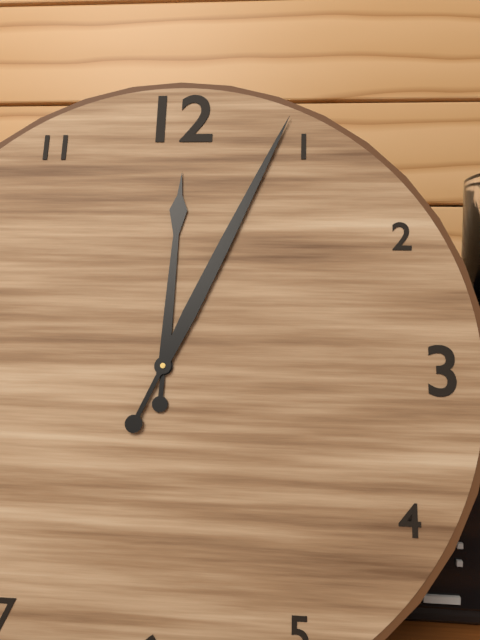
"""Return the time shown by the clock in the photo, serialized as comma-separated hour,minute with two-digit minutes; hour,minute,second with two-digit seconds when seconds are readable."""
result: 12,04
